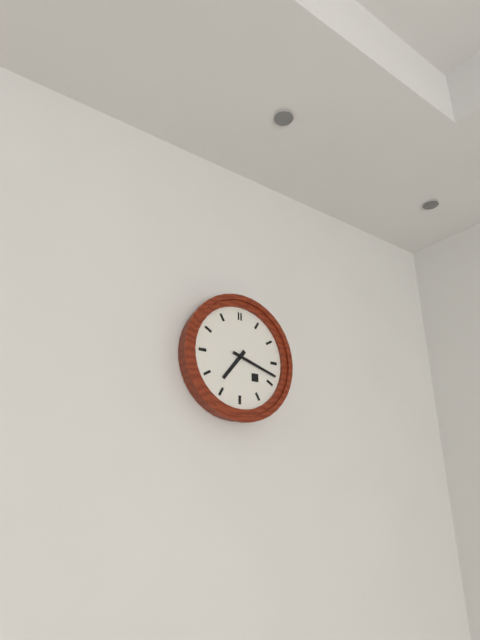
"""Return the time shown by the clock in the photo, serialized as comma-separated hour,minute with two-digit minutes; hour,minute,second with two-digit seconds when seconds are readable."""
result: 7,18
